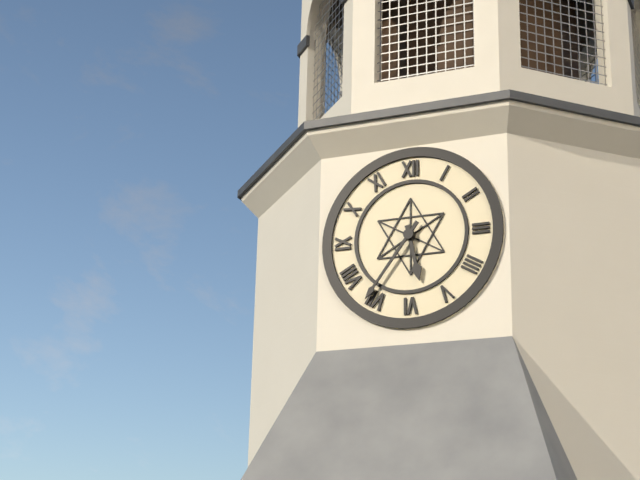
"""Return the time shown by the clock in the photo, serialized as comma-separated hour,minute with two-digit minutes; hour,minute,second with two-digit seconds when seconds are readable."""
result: 5,36
